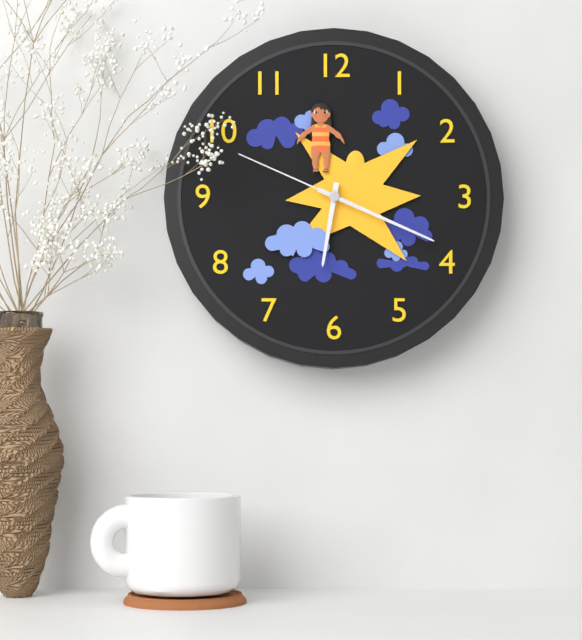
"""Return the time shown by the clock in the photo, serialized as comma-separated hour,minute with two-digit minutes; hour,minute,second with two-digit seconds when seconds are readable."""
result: 6,19,49
